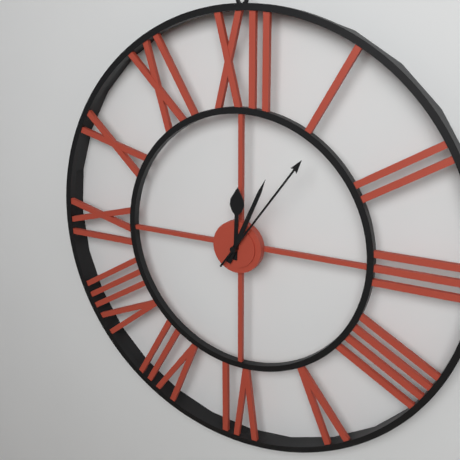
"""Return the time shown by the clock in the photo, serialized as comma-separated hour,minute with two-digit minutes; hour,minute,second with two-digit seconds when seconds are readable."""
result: 12,04,06
